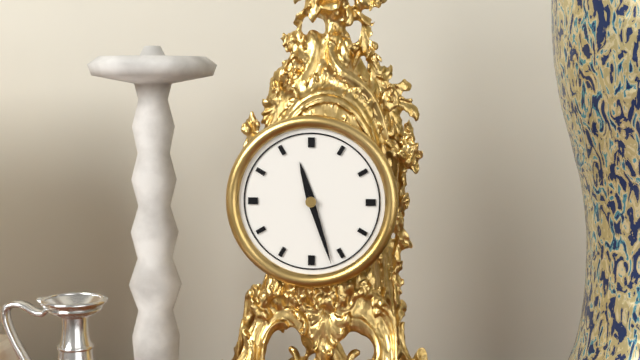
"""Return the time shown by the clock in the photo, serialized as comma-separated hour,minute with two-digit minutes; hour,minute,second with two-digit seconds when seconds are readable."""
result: 11,27
